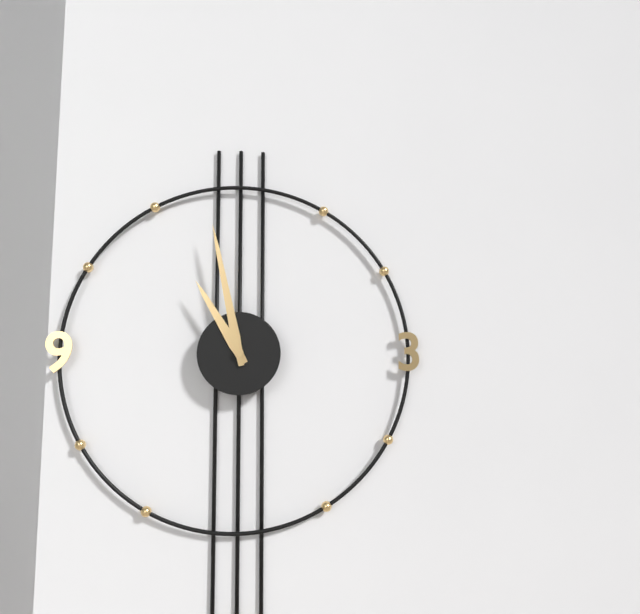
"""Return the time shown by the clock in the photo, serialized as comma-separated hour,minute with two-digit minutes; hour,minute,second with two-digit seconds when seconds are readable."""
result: 10,58
